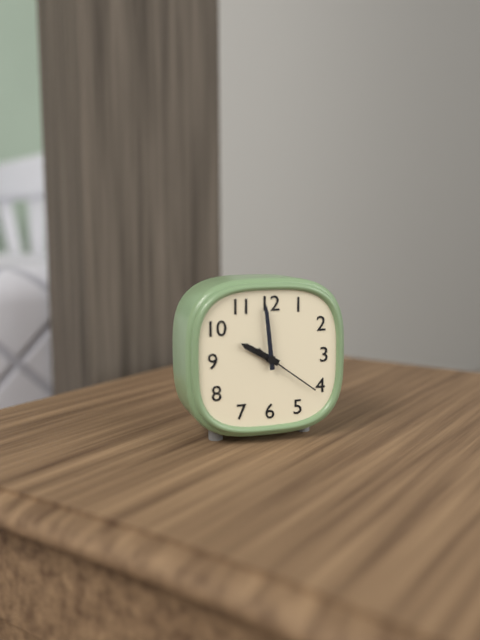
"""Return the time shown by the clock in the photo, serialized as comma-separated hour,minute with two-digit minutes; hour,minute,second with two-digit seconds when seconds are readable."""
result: 9,59,21
